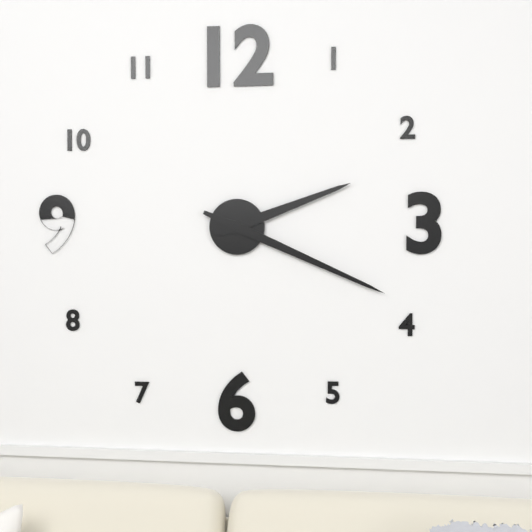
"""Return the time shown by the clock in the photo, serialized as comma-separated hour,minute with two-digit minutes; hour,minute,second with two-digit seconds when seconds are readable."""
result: 2,19
